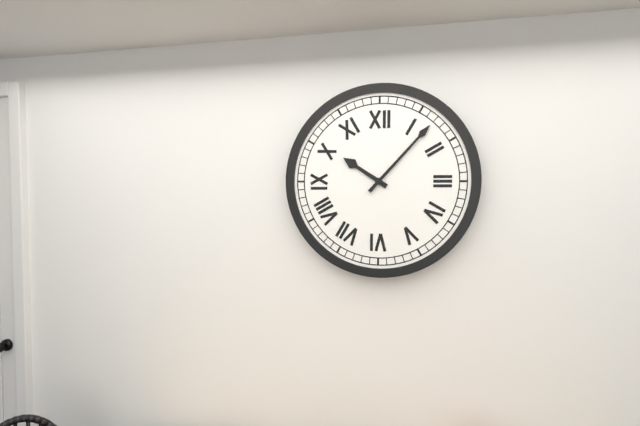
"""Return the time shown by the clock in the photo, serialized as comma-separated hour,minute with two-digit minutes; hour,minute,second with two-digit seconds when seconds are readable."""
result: 10,07
